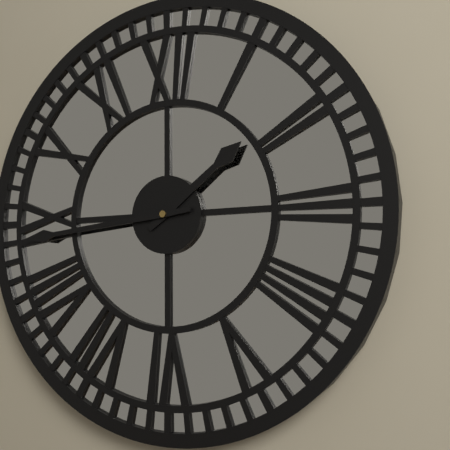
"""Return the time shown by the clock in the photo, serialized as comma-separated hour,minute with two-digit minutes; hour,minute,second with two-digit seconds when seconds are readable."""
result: 1,44
